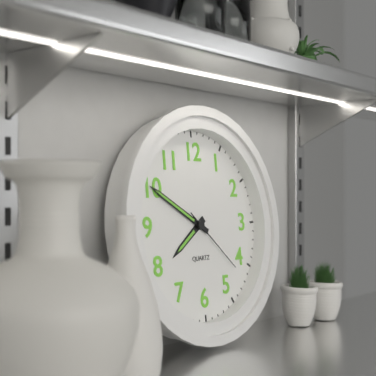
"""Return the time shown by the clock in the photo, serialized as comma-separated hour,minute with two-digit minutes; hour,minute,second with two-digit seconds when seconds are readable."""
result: 7,50,22
